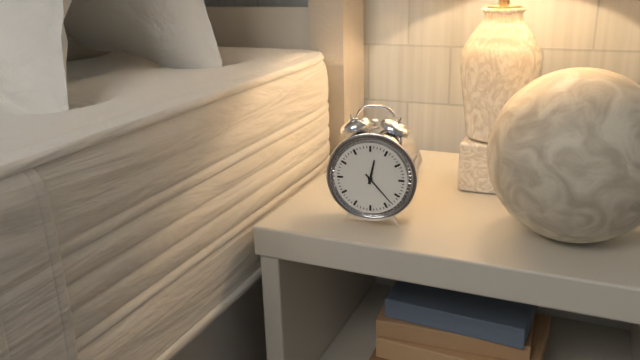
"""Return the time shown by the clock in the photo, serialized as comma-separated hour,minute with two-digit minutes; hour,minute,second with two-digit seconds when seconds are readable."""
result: 12,23
